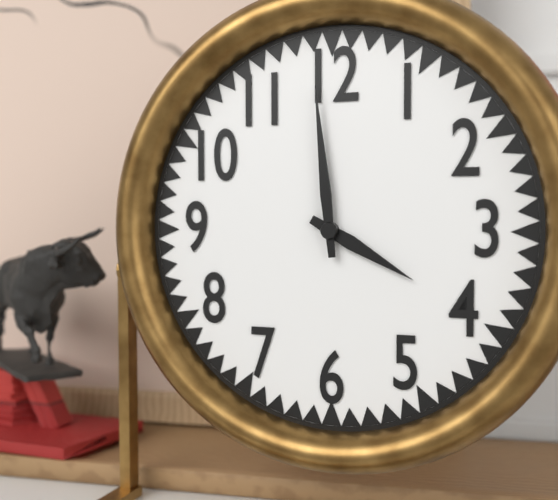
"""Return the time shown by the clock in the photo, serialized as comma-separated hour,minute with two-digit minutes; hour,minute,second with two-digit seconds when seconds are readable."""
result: 3,59
